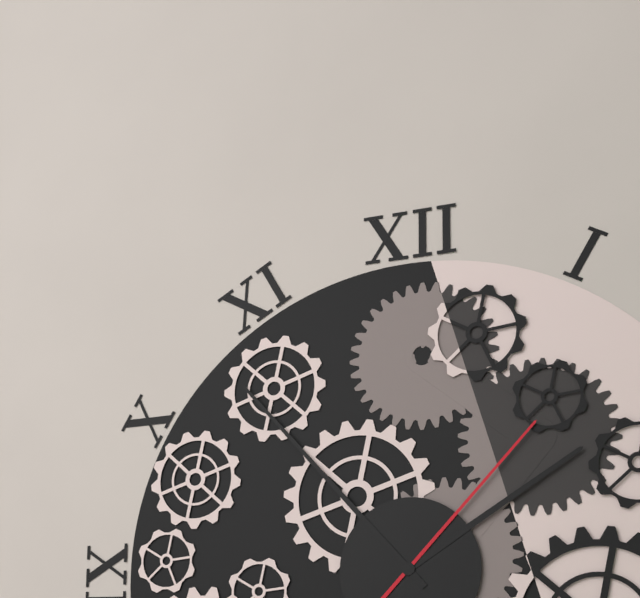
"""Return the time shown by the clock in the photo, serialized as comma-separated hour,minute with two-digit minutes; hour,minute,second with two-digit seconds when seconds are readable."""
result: 1,53,07
